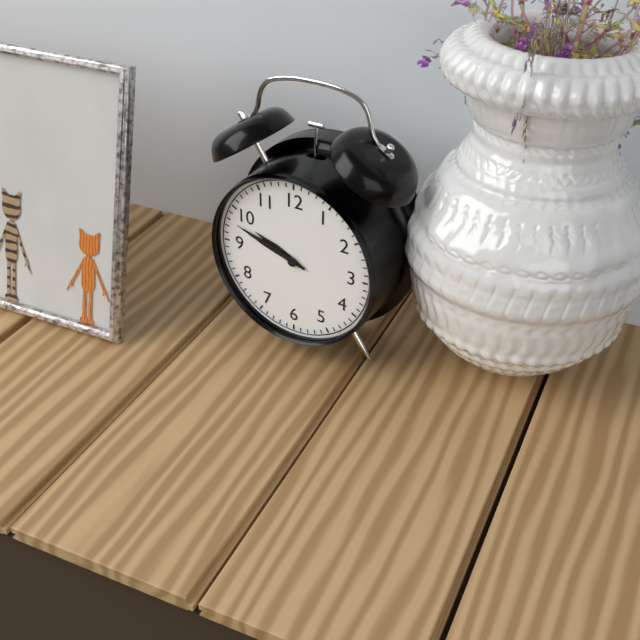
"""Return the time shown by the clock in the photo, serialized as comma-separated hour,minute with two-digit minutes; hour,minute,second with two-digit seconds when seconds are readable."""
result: 9,48
